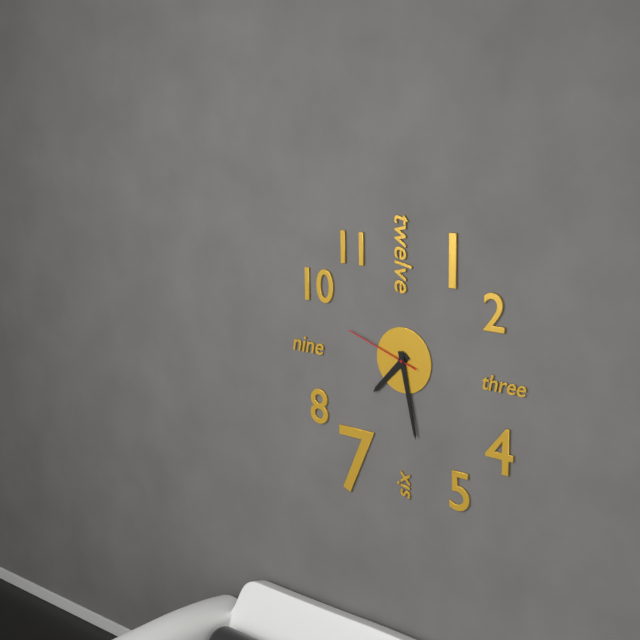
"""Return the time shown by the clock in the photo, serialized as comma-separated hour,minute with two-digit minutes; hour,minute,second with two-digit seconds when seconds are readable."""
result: 7,28,48
